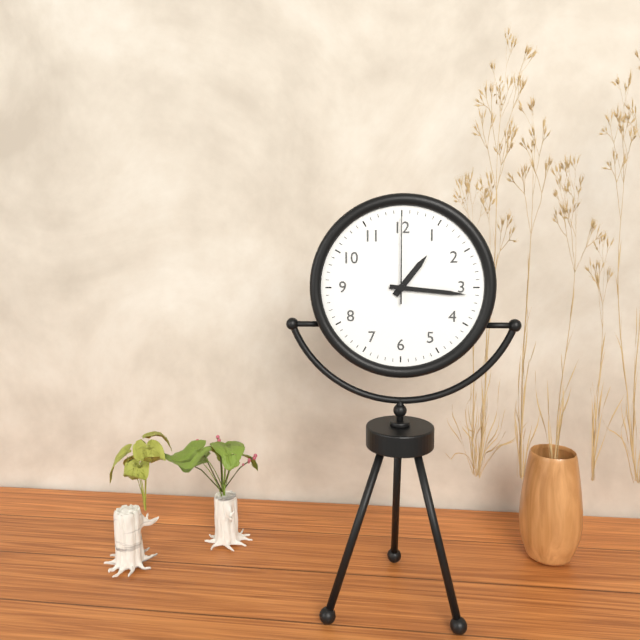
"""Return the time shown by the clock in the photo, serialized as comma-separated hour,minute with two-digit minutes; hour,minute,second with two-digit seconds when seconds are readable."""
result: 1,16,00
